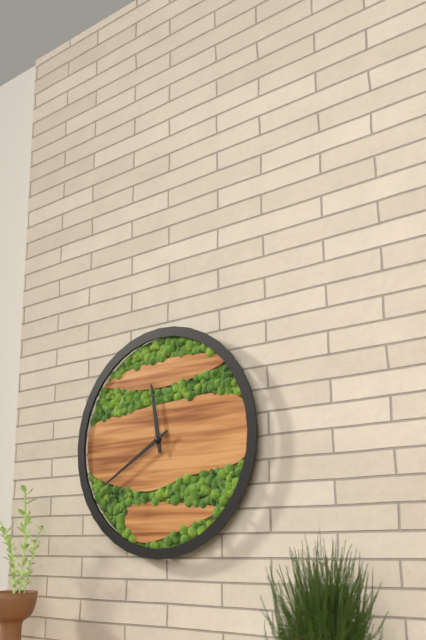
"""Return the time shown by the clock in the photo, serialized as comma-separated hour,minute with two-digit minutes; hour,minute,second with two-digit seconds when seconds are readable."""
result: 11,40
